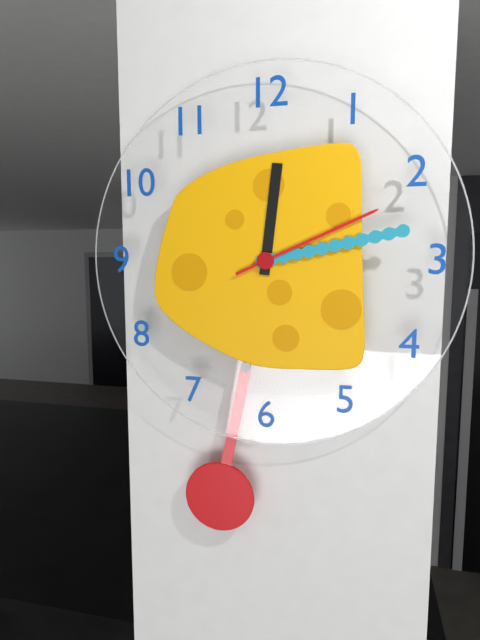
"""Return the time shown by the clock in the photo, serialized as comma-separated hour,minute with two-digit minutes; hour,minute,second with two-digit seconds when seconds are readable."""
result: 12,13,11
